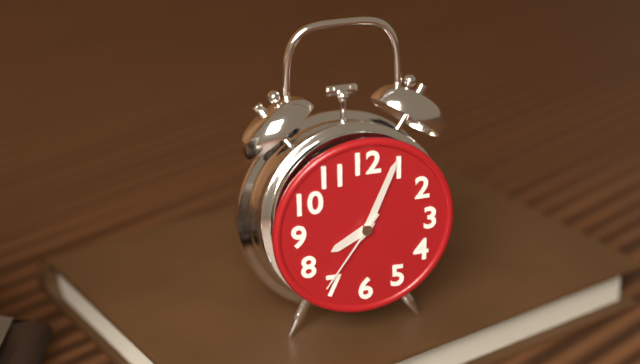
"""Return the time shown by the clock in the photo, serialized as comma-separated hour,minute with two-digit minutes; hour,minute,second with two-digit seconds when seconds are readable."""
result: 8,04,36
